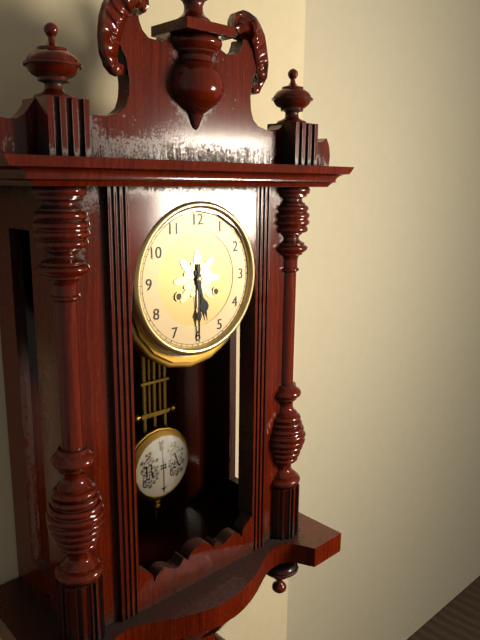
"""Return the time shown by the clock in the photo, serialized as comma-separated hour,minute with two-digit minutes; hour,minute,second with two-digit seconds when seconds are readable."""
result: 5,30
